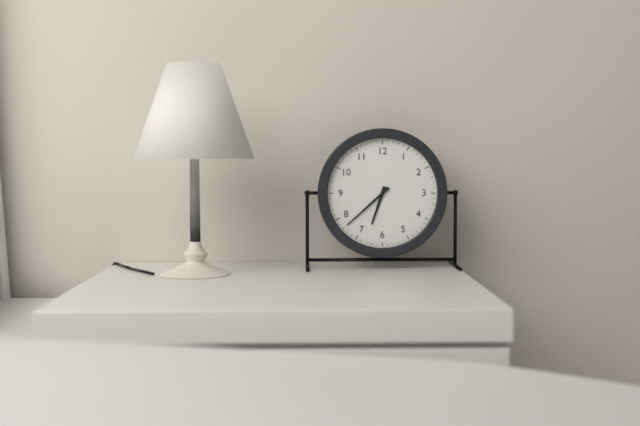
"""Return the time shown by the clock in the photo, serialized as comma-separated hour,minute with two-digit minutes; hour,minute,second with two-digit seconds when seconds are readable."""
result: 6,38
